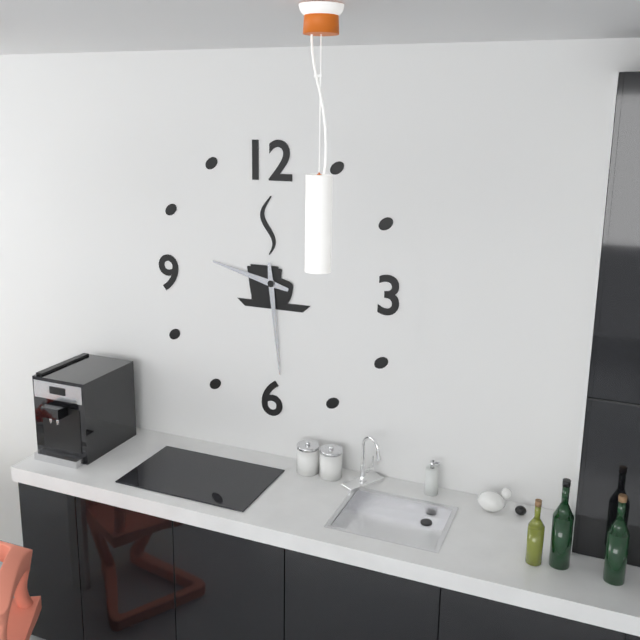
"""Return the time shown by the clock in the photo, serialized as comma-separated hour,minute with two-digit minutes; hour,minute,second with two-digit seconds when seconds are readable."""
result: 9,29
